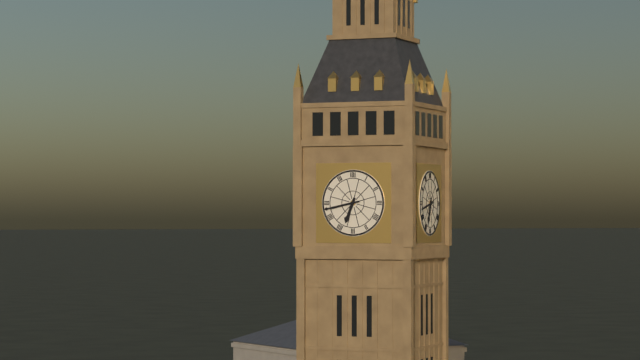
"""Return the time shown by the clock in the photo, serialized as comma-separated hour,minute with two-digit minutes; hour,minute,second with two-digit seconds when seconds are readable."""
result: 6,43
